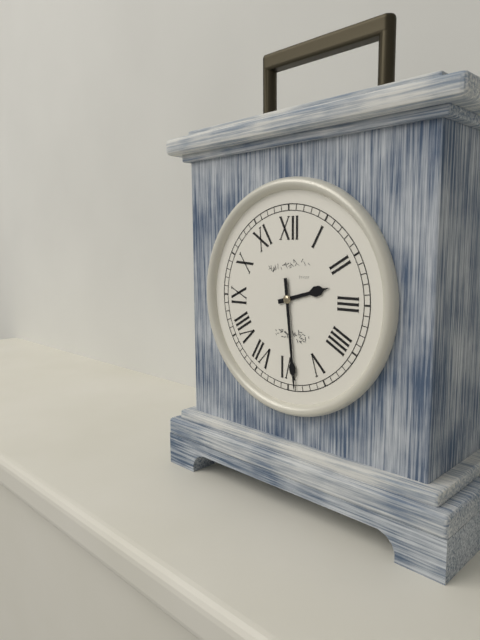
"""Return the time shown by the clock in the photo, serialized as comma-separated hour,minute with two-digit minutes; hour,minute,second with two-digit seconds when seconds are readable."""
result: 2,29
